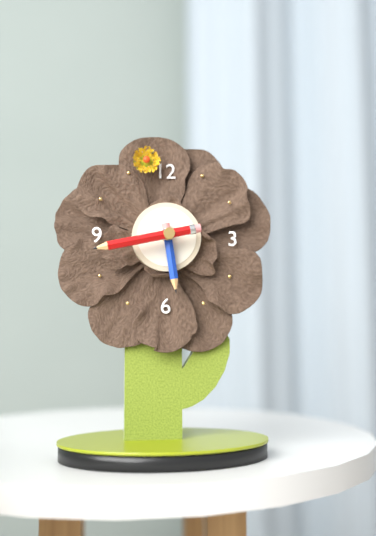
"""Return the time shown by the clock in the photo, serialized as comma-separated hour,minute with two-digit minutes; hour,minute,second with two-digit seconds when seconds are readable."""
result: 5,43
